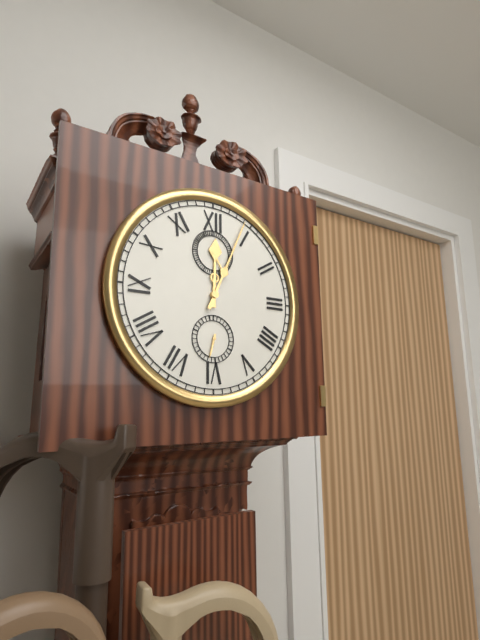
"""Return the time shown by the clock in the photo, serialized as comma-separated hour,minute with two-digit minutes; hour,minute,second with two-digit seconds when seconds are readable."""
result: 12,04
